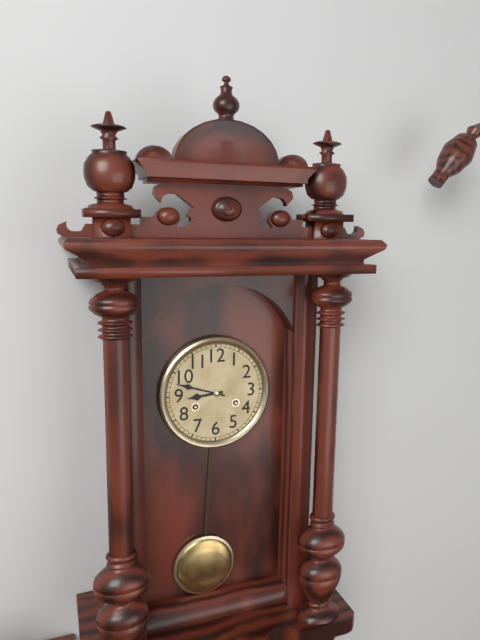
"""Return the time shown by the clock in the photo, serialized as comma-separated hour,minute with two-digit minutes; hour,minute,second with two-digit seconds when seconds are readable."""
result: 8,48
